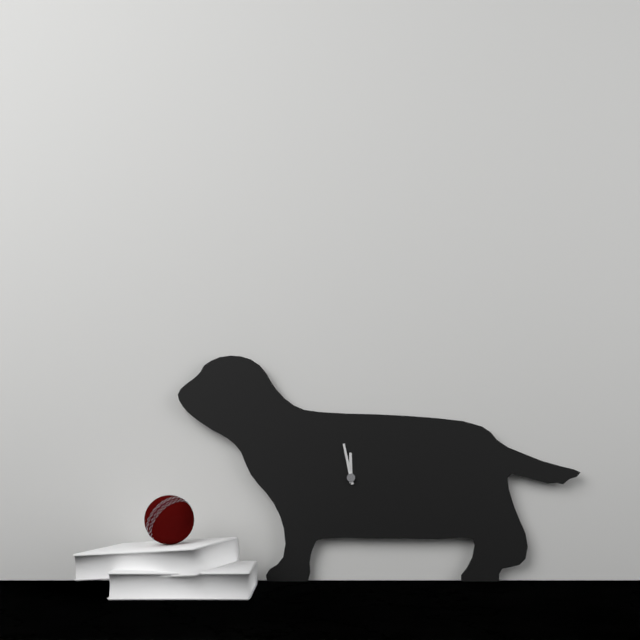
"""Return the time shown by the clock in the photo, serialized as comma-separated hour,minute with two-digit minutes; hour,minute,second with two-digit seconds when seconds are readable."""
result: 11,58
